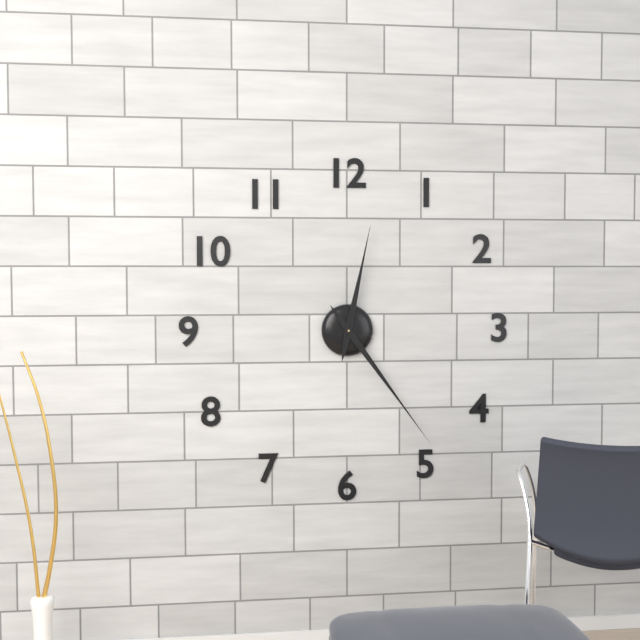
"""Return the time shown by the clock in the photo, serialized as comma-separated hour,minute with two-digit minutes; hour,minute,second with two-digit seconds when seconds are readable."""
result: 12,24
